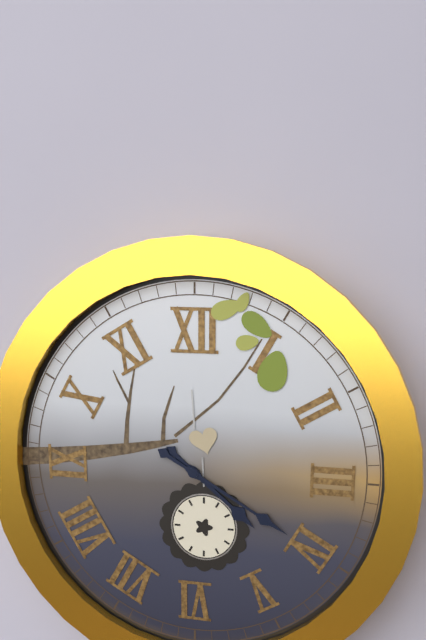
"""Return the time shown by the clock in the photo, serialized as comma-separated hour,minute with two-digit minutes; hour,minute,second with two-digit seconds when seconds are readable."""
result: 4,20
